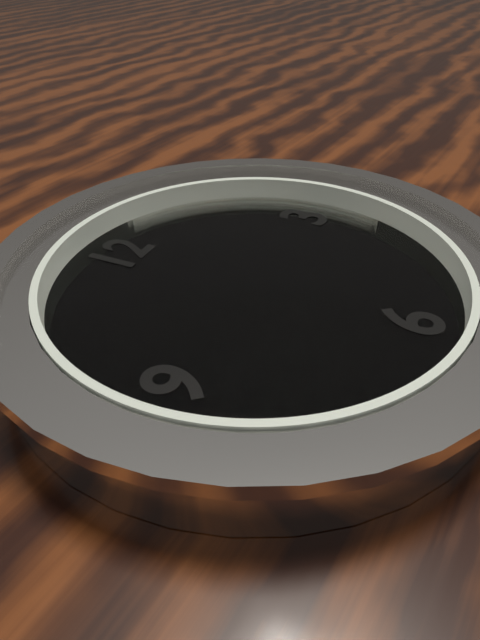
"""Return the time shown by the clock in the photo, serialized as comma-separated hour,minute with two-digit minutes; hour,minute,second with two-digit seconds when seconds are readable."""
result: 1,51
